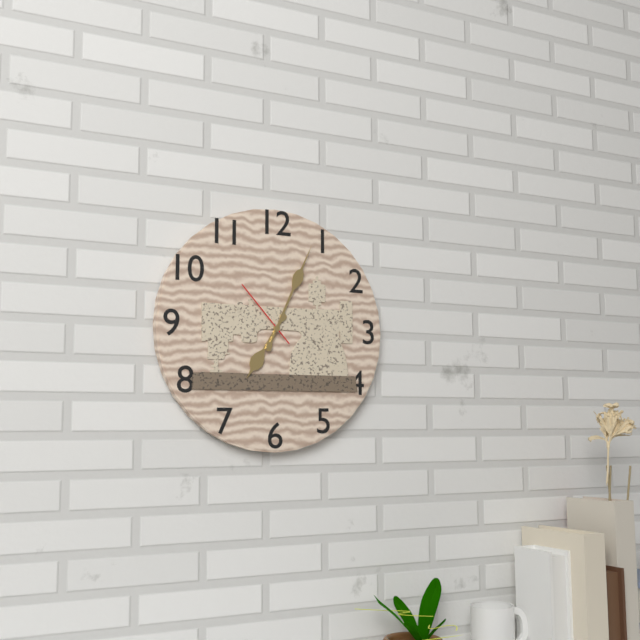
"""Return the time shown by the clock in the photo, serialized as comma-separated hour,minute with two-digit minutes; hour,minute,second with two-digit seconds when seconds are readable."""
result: 7,04,53
